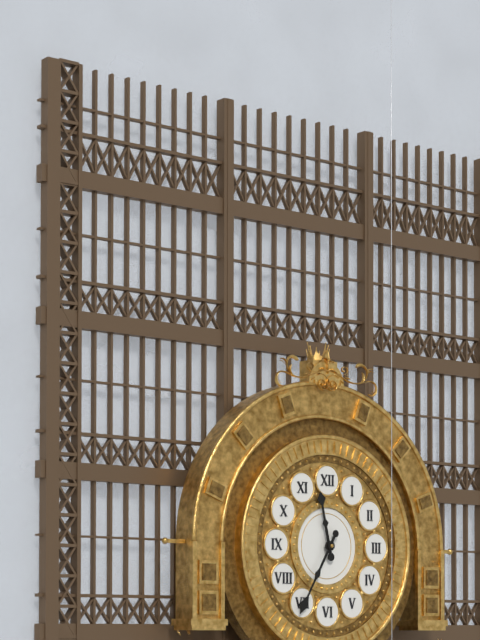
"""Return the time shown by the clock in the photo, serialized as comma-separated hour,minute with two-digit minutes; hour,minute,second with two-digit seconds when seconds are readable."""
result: 11,35
